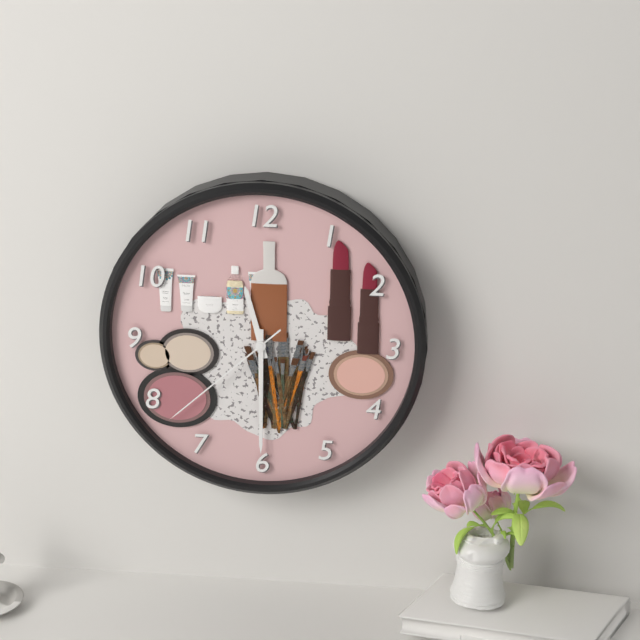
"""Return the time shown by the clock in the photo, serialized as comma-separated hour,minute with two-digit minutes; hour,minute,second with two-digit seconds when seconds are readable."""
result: 11,30,38
